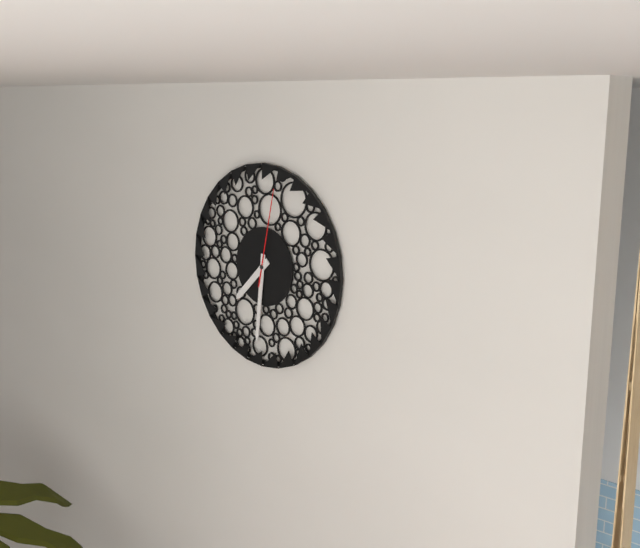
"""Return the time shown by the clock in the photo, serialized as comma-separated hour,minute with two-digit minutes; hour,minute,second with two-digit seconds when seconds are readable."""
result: 7,31,02
